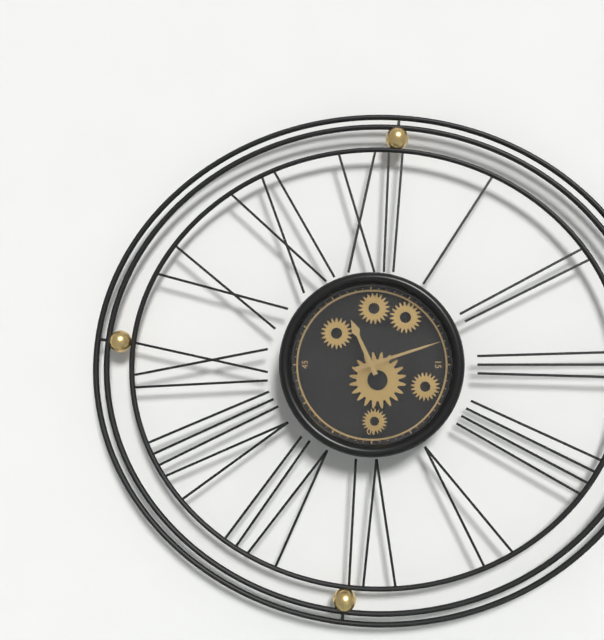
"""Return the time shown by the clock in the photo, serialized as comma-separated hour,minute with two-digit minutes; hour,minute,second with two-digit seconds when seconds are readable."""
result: 11,12
